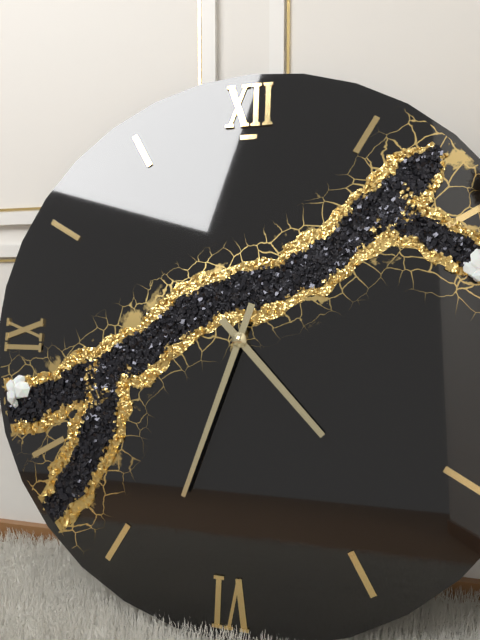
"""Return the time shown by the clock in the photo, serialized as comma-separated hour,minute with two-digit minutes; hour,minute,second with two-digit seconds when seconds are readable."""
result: 4,33
